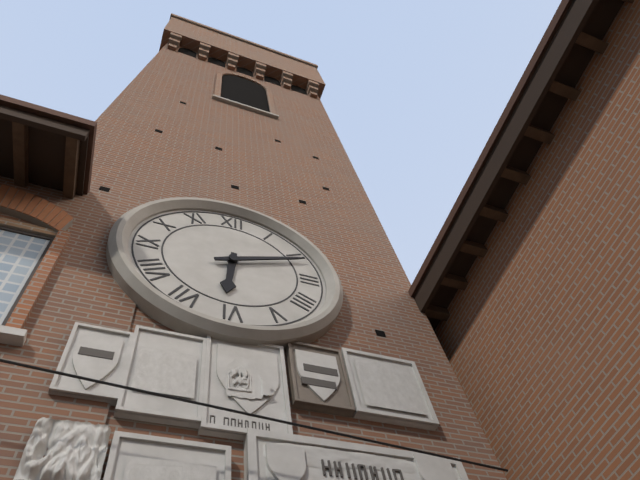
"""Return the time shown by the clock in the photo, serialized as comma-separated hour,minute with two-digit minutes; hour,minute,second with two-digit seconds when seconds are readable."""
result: 6,11
